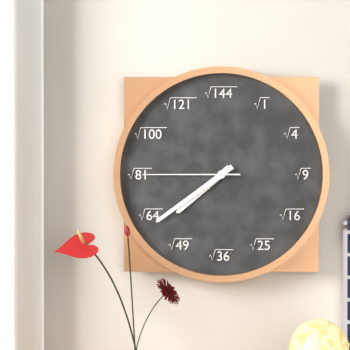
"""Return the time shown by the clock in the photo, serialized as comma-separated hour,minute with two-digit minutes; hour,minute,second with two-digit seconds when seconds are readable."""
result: 7,39,45
